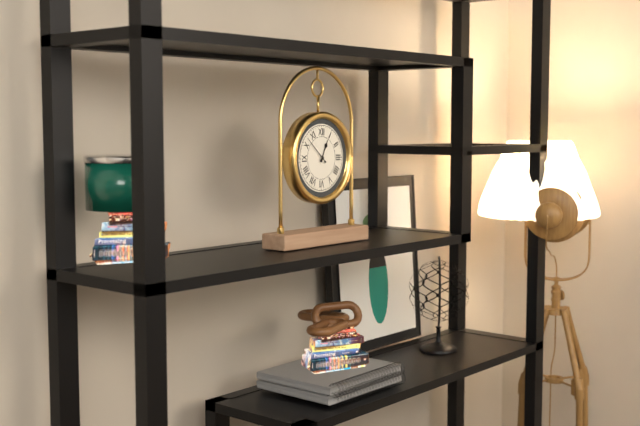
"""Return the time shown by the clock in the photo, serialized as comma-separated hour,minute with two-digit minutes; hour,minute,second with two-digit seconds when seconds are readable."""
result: 12,52
